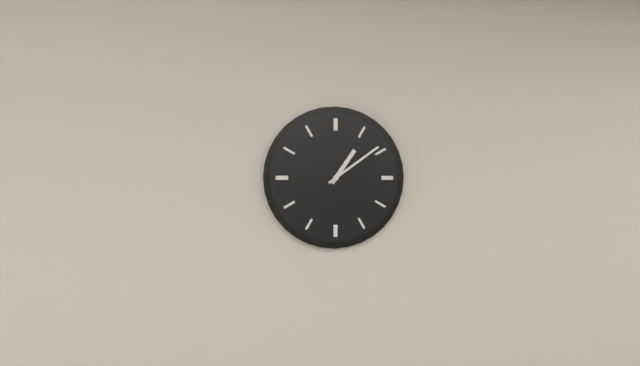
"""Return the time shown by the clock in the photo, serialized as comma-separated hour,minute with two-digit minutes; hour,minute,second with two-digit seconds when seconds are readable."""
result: 1,09
